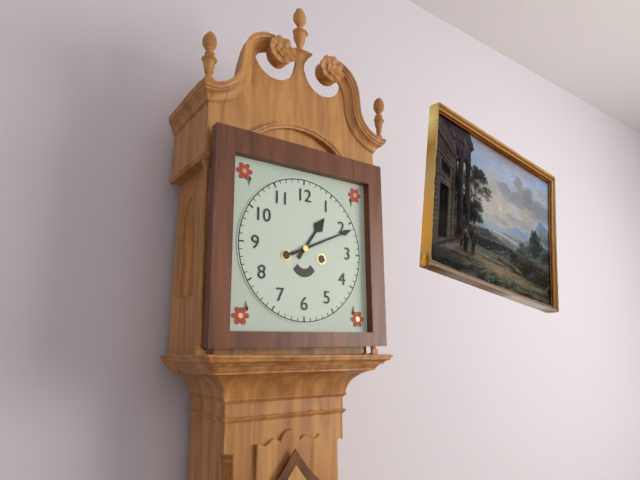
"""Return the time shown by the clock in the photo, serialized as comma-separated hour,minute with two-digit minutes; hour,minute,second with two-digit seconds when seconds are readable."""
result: 1,11
